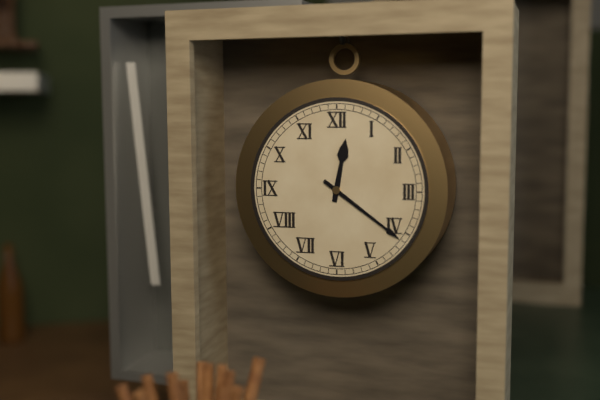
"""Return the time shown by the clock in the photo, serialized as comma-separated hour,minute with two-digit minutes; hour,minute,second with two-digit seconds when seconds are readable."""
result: 12,21
